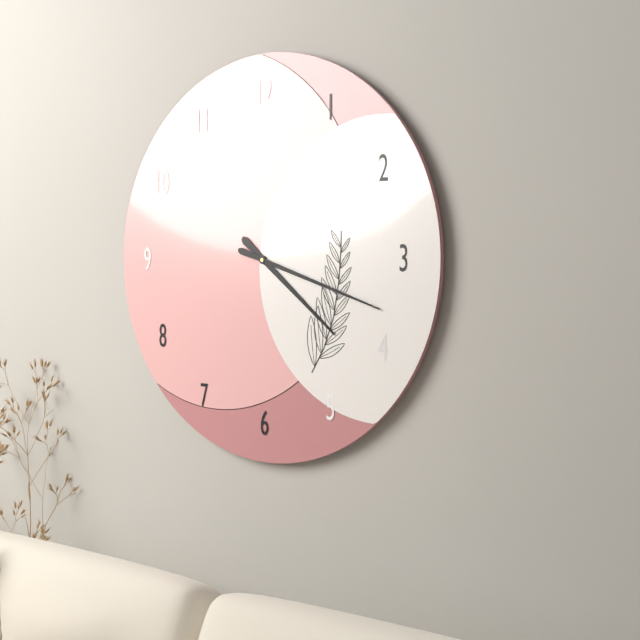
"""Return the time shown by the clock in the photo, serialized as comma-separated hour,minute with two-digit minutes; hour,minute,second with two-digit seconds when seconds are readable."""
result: 4,18
